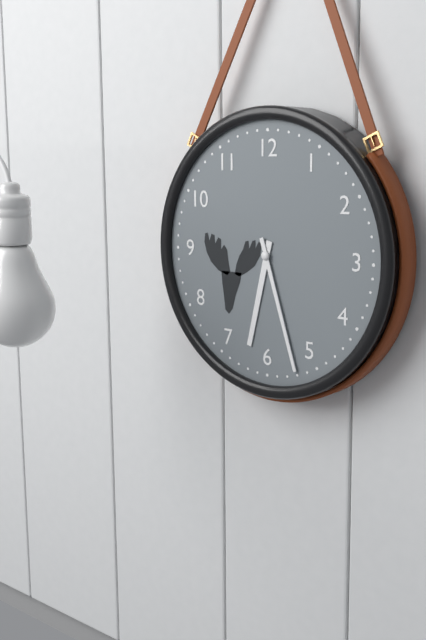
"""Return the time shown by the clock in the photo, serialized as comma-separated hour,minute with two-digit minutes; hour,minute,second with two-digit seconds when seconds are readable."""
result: 6,27
